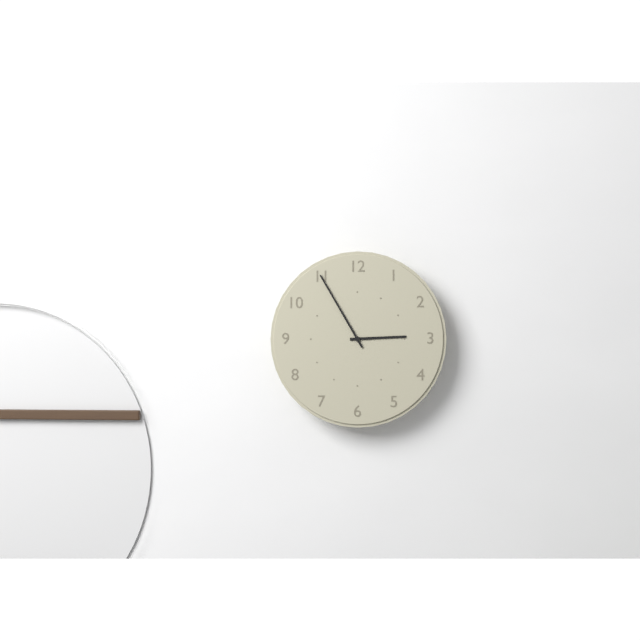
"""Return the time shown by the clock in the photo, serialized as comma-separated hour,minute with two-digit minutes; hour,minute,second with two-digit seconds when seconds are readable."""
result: 2,55
